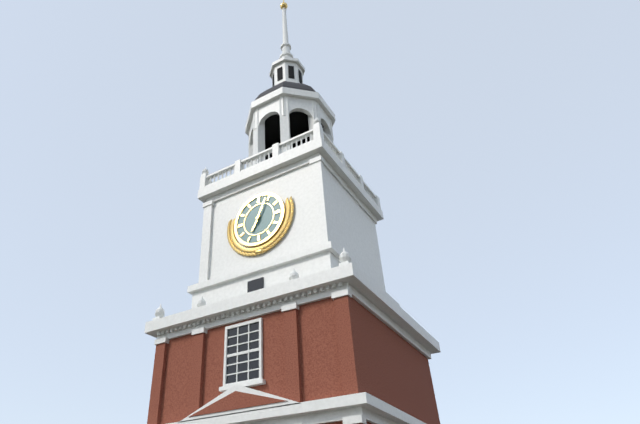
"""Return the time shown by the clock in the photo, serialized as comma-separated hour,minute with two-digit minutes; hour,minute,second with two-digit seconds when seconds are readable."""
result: 7,04
